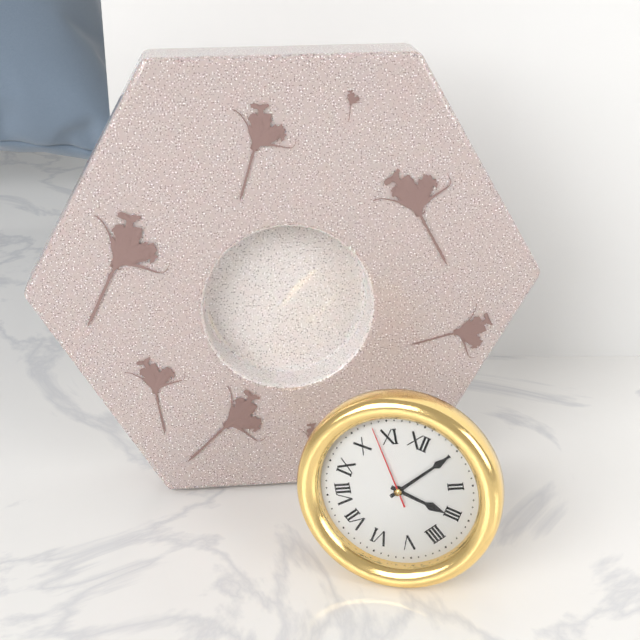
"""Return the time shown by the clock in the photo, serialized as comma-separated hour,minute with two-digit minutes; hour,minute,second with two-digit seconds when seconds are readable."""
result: 3,05,53
